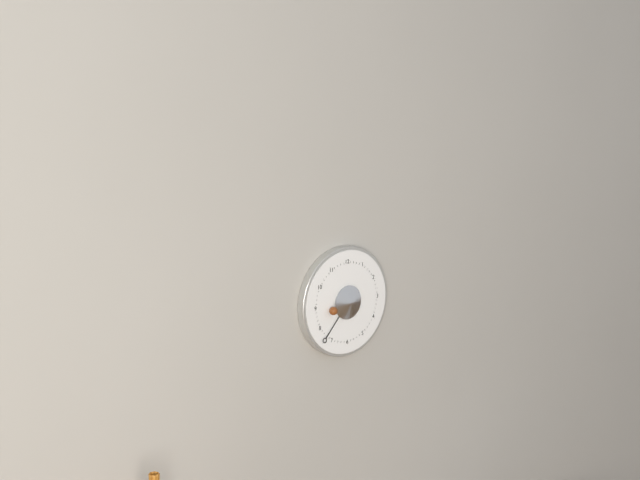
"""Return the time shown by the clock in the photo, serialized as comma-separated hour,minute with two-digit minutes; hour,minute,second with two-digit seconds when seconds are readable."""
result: 8,37
